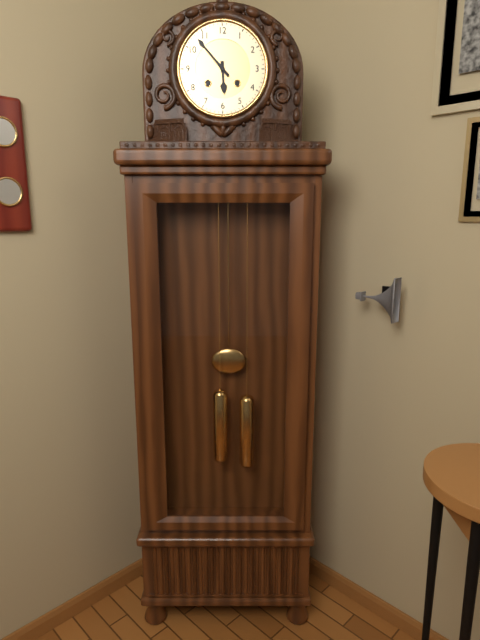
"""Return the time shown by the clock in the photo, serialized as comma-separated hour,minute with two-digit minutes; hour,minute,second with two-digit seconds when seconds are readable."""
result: 5,53
